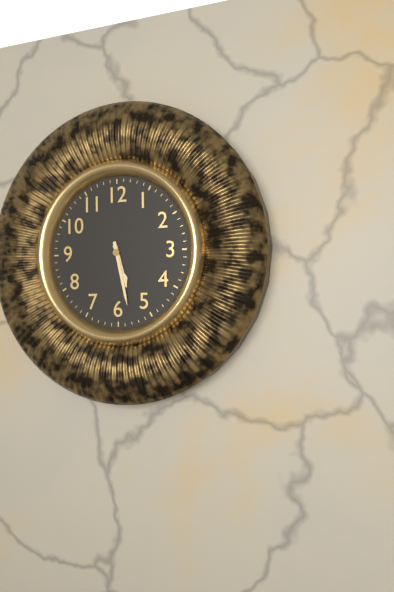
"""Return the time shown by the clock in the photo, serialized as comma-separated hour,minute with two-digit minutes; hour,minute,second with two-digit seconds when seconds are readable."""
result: 5,28
